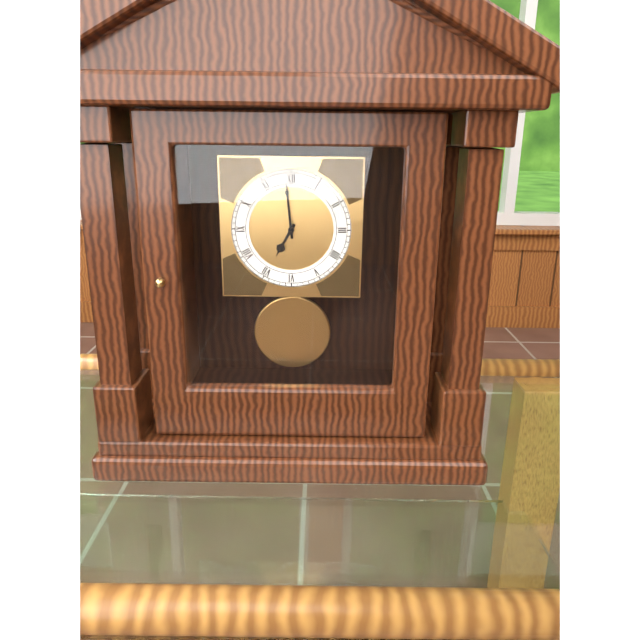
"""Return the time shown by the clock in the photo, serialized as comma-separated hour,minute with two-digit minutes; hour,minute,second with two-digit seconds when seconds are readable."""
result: 6,59
